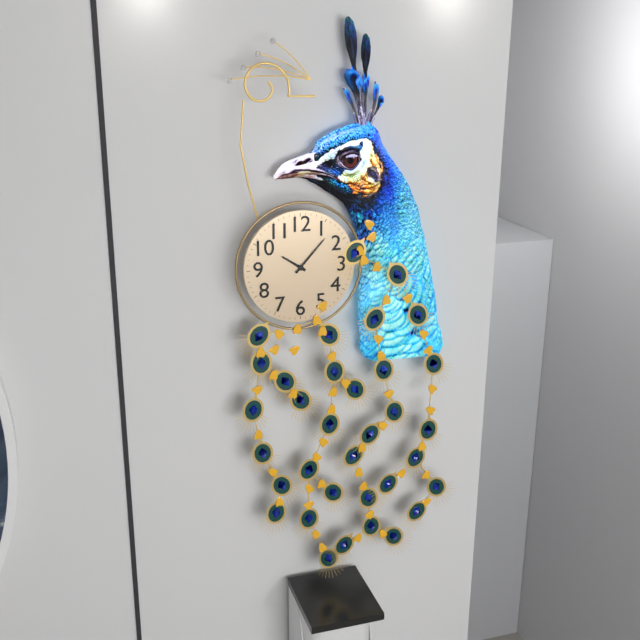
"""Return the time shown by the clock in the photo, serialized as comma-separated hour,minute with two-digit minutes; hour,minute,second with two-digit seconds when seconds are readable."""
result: 10,07
